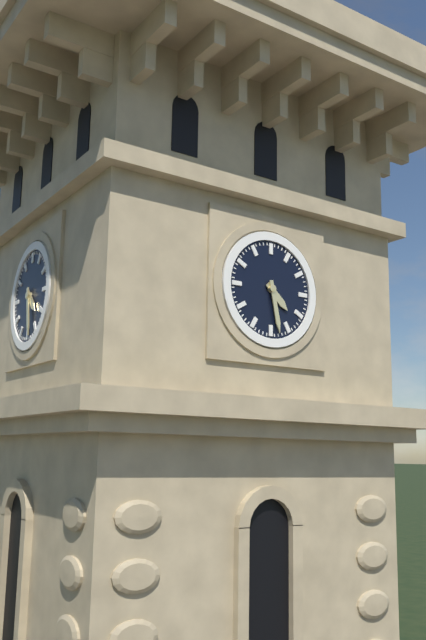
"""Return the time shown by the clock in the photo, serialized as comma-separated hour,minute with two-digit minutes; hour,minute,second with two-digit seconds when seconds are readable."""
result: 4,28
